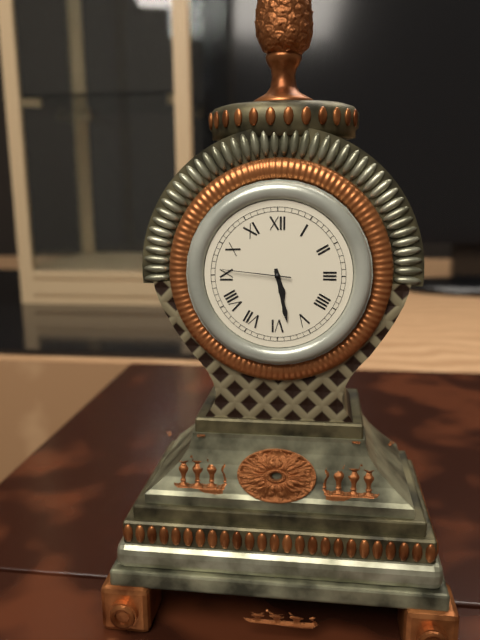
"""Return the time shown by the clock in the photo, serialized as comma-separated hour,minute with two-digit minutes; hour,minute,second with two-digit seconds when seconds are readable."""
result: 5,28,46
